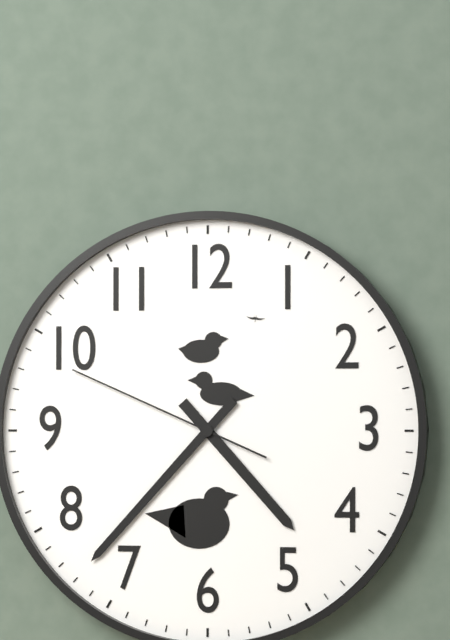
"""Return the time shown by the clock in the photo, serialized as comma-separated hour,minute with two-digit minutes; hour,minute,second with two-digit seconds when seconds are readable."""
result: 4,37,49
